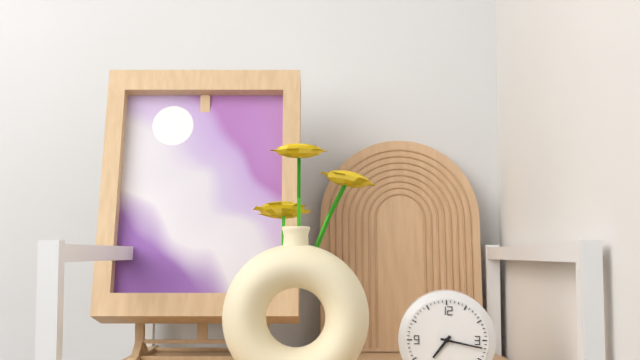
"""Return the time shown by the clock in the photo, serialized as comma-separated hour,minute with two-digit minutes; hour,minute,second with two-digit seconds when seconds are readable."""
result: 7,17
